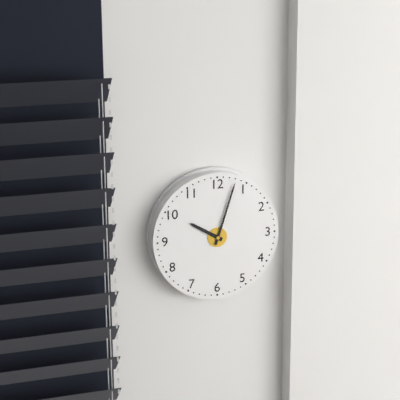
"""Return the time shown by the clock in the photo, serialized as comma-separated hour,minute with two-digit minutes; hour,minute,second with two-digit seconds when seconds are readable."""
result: 10,03
